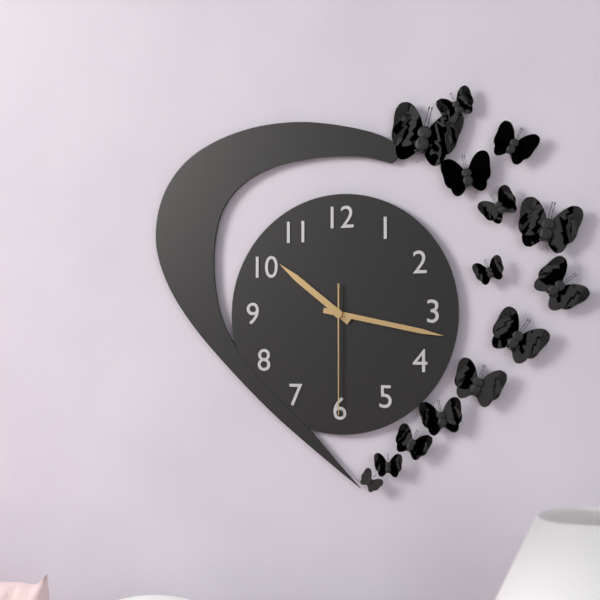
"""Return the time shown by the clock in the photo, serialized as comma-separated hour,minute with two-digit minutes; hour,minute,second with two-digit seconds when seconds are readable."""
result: 10,17,30
